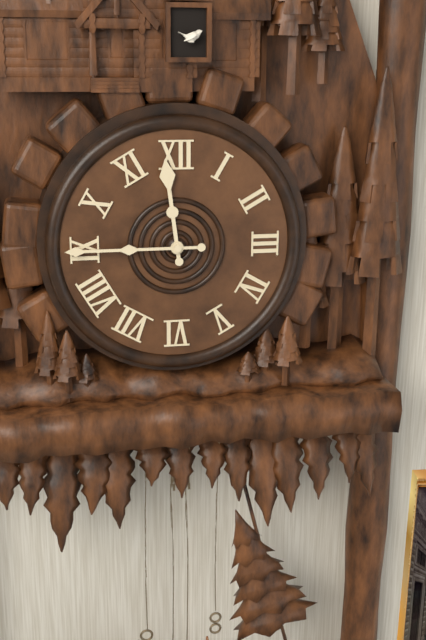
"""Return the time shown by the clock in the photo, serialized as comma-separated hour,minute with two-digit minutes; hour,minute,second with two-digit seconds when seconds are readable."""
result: 11,45
